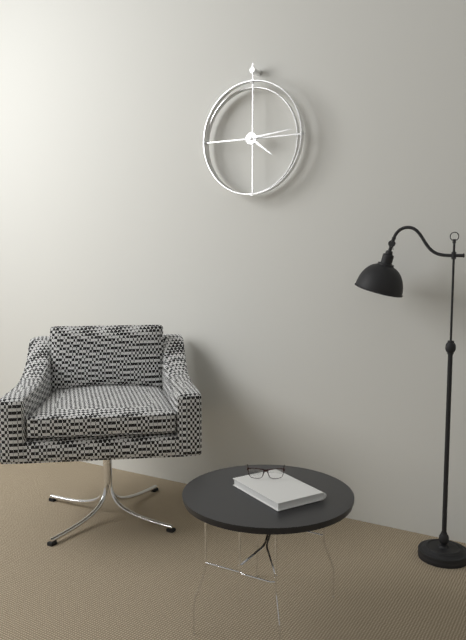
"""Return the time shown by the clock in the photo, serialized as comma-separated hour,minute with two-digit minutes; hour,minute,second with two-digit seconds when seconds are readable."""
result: 4,14
